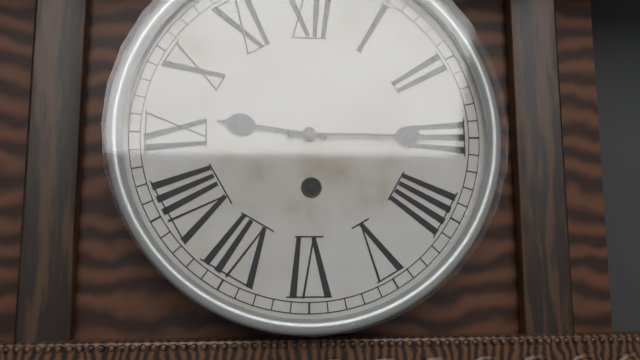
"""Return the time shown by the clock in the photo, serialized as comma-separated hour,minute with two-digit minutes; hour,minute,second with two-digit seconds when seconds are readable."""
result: 9,15
